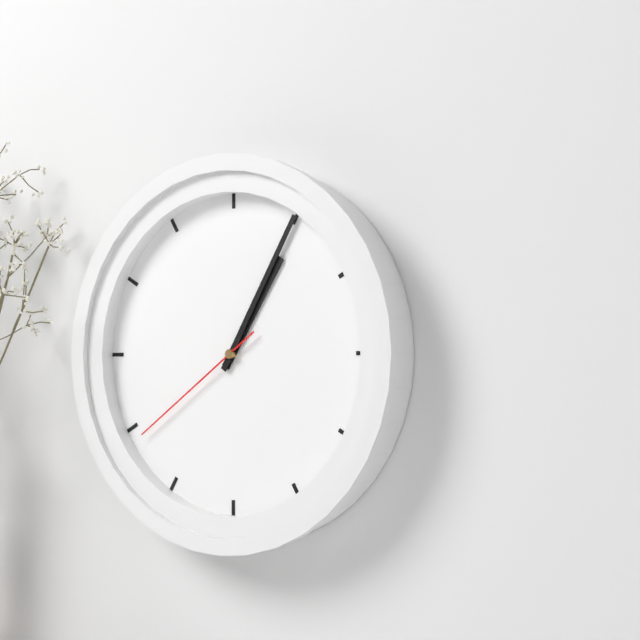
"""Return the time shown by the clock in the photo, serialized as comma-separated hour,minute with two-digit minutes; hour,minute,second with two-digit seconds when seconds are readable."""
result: 1,05,39
